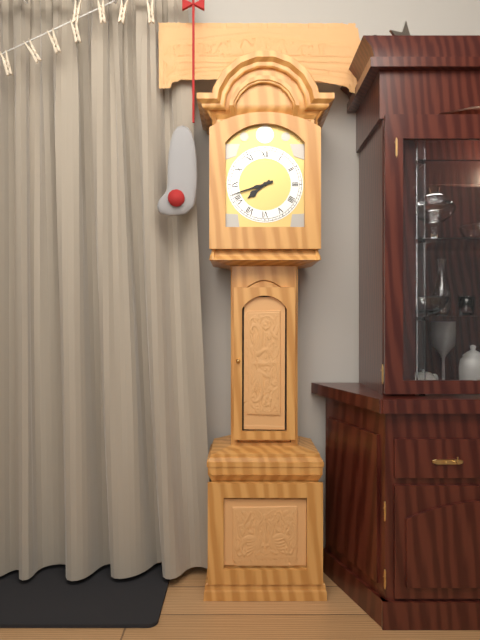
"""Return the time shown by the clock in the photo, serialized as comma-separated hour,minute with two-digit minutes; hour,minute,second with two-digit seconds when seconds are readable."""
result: 7,42
